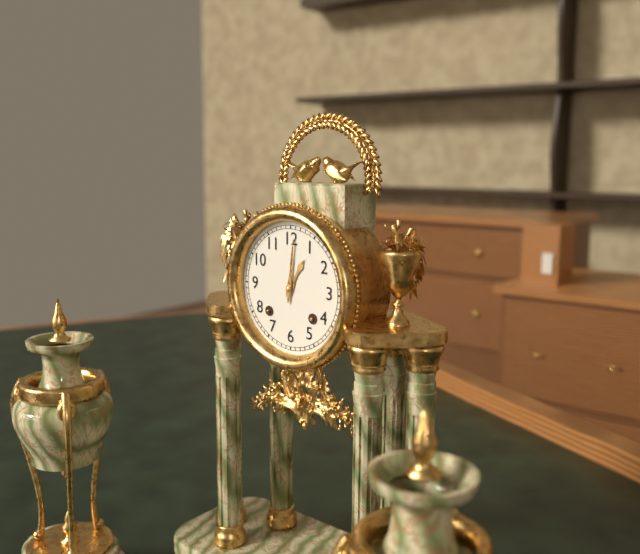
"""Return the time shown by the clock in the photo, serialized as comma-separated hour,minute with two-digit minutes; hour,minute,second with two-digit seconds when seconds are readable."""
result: 1,01
